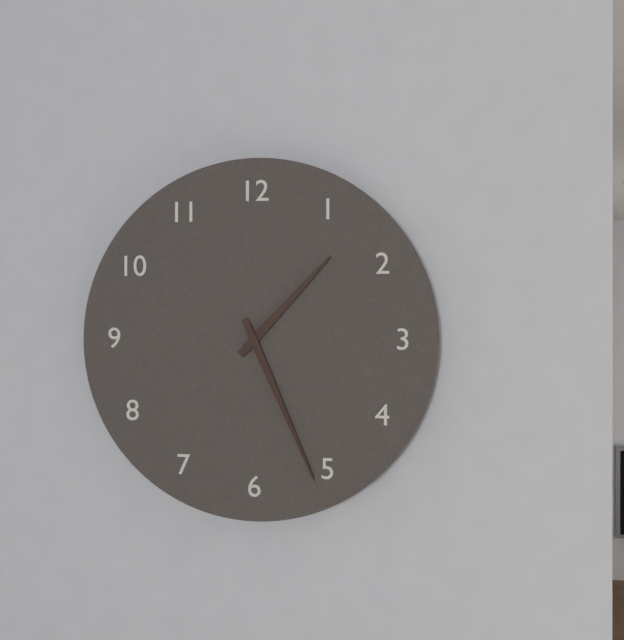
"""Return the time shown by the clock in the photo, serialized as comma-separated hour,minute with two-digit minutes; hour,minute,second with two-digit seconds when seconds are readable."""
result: 1,26
